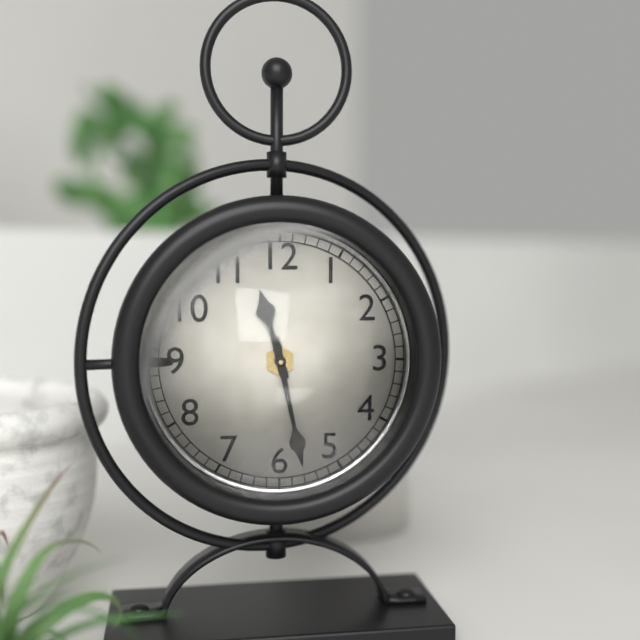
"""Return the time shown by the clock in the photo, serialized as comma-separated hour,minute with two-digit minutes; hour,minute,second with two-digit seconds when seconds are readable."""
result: 11,28
